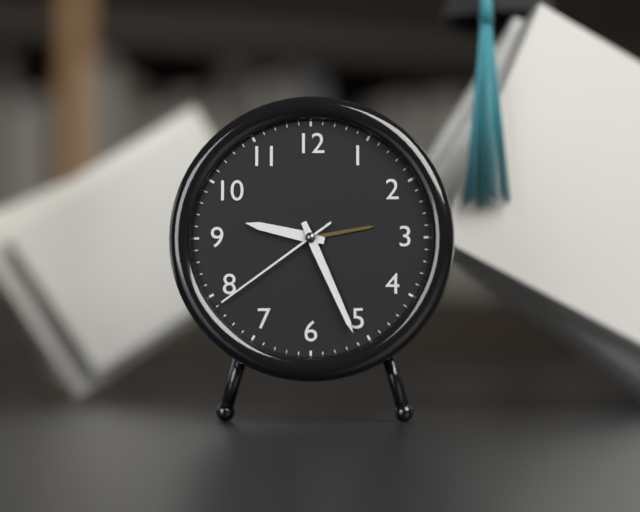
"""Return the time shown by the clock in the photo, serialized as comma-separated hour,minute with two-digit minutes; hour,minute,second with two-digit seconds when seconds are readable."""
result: 9,26,39
